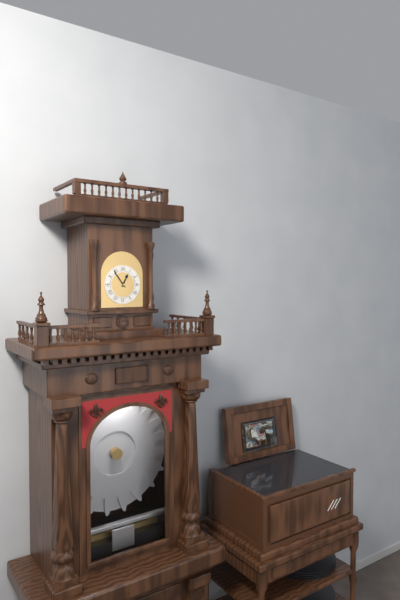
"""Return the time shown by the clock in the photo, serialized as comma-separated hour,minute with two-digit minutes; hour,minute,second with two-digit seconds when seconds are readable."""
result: 12,54
